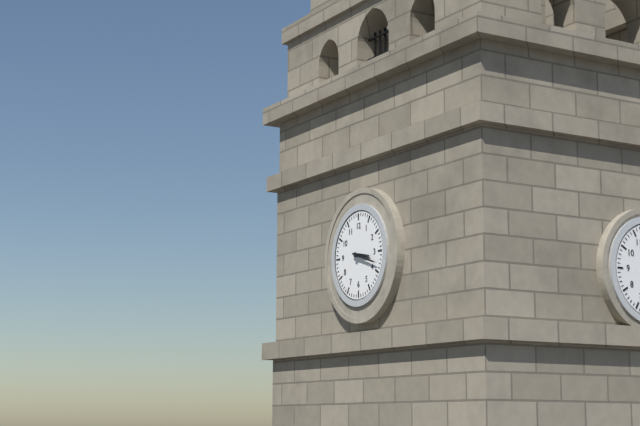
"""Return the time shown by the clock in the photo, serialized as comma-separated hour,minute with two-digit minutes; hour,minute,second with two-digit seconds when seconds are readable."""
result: 3,18
